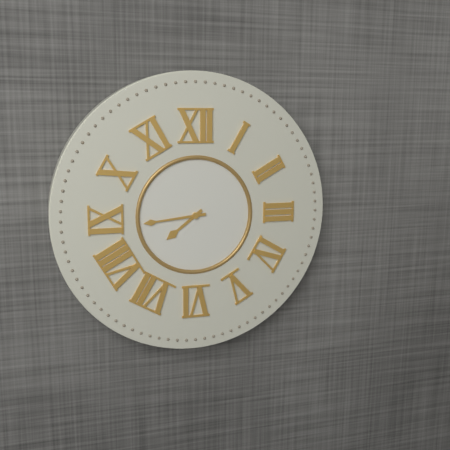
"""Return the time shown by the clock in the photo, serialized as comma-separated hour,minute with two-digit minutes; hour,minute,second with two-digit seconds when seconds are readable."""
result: 7,44
